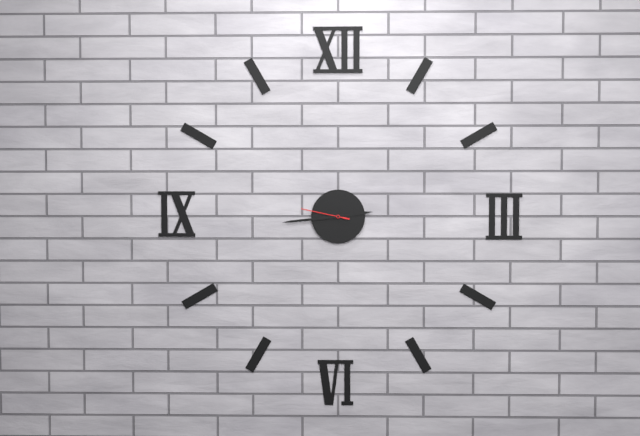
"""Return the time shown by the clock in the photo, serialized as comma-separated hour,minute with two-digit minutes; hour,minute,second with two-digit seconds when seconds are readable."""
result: 2,44
